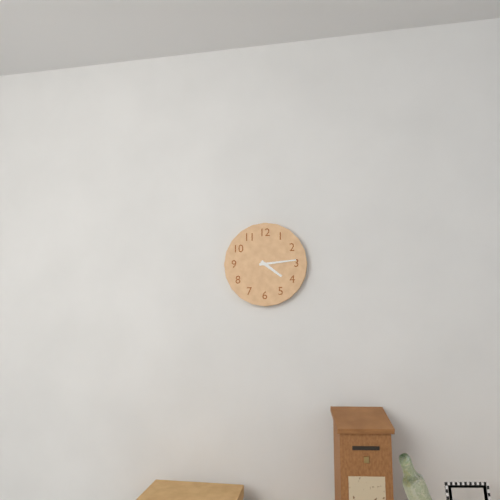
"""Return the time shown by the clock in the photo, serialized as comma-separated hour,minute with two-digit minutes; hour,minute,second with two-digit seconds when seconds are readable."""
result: 4,14
